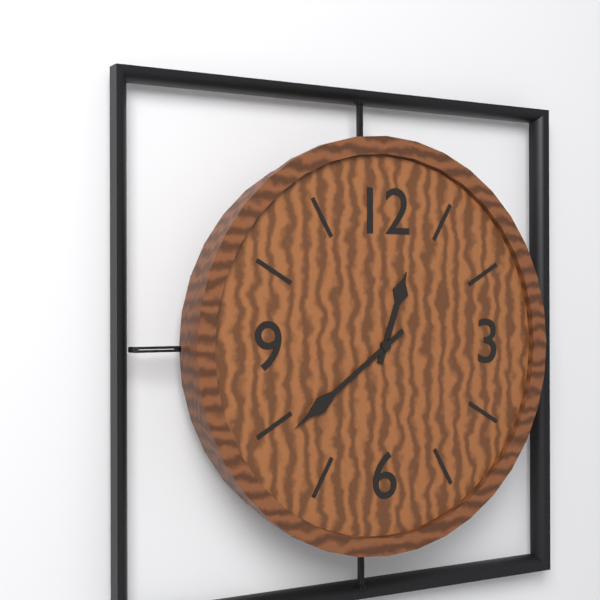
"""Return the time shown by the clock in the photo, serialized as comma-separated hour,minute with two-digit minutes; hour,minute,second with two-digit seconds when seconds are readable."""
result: 12,39
